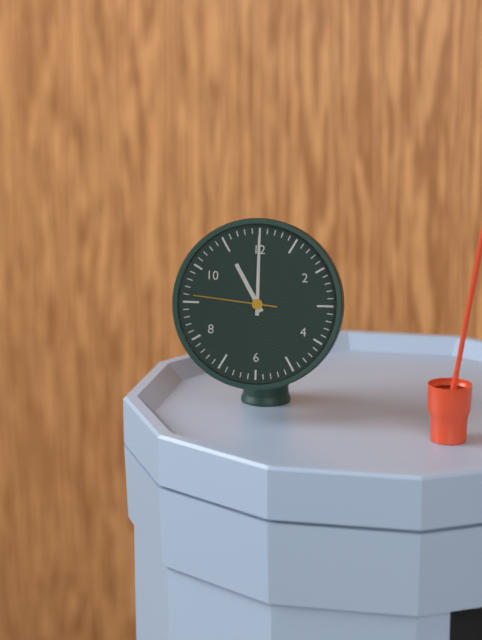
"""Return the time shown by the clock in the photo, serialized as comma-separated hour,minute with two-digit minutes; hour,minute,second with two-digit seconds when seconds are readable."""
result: 11,00,46
